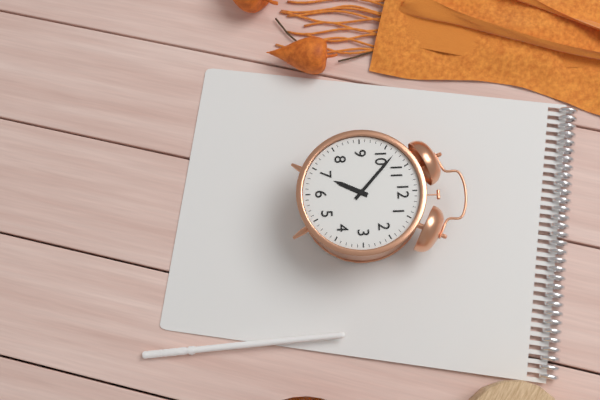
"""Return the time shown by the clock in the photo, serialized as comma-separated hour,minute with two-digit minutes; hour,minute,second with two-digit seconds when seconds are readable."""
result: 6,52
